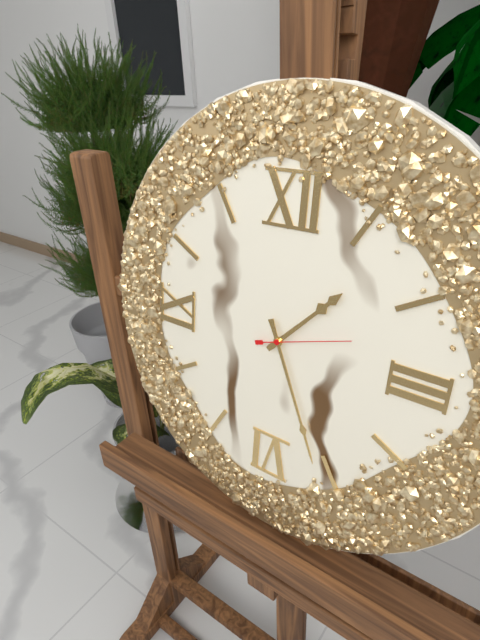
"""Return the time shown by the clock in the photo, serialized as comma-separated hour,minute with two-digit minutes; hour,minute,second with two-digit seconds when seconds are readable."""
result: 1,26,12
